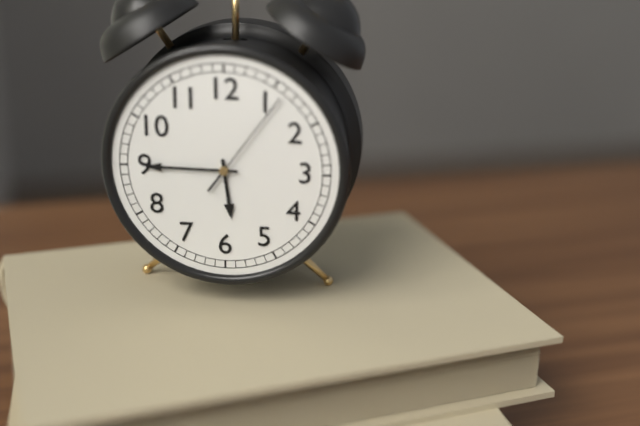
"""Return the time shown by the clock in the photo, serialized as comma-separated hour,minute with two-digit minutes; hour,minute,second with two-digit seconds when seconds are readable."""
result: 5,45,06
